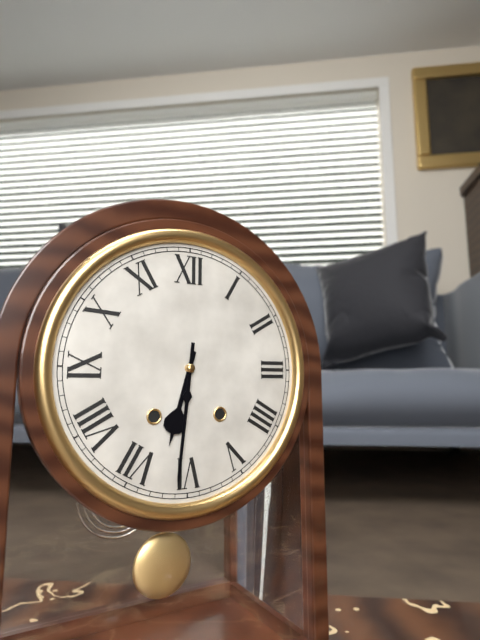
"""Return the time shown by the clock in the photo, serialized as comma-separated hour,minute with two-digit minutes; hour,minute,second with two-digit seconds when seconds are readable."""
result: 6,31
